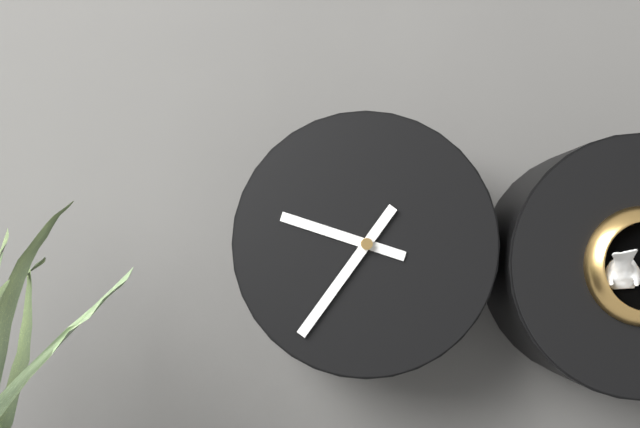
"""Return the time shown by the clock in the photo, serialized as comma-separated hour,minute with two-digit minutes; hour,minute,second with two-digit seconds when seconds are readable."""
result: 9,36
